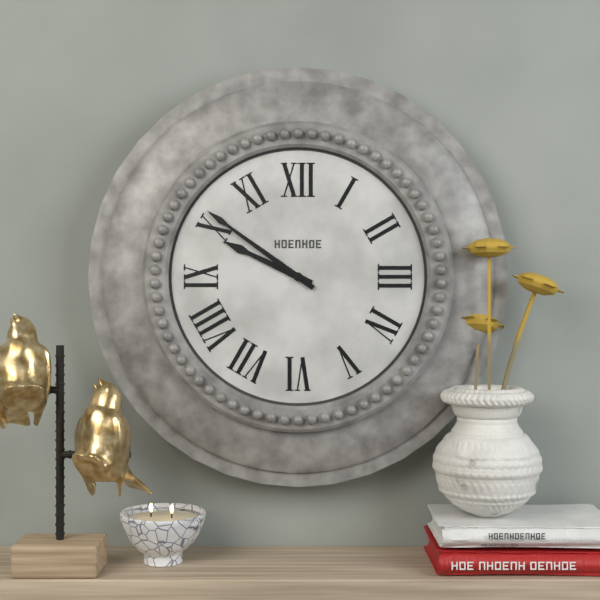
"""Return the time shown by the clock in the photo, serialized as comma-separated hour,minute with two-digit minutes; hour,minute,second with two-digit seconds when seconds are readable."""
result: 9,51
